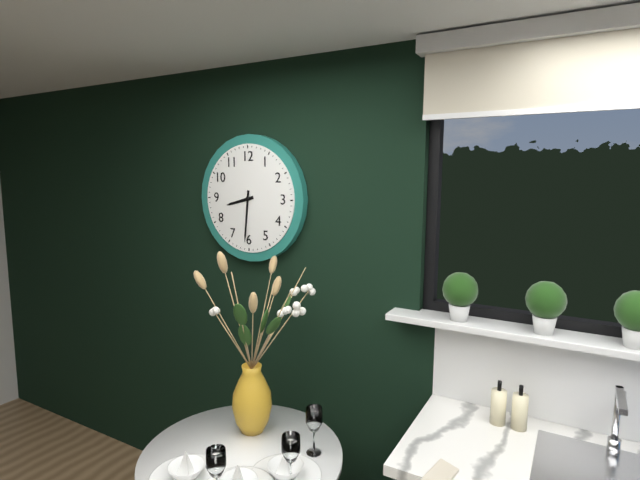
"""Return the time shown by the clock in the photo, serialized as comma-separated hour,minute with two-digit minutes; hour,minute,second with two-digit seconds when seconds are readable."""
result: 8,31
